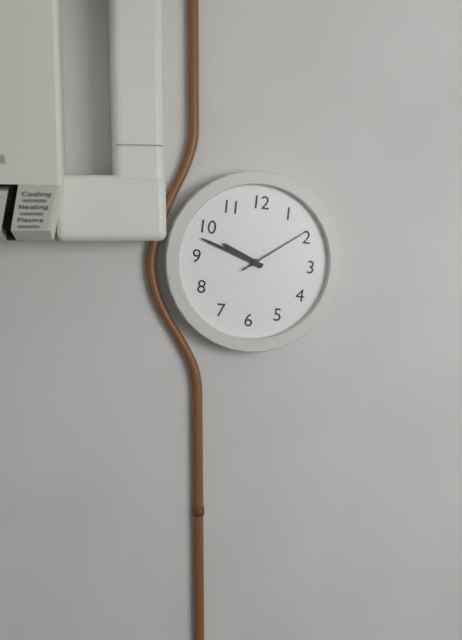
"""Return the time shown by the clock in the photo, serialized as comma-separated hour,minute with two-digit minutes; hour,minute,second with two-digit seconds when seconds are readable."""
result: 9,48,09
